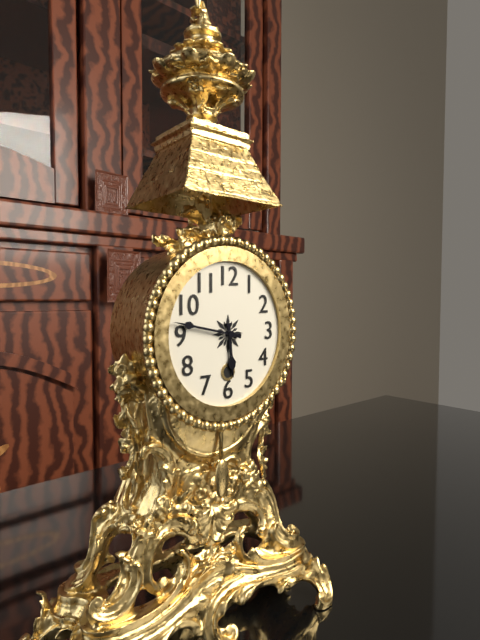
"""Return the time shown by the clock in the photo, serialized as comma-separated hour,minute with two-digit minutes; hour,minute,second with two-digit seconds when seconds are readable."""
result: 5,47
